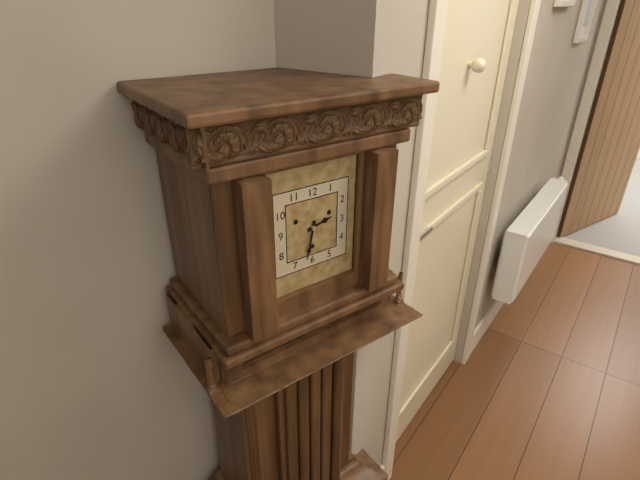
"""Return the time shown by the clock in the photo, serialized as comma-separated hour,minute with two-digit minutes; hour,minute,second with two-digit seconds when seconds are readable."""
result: 2,32
